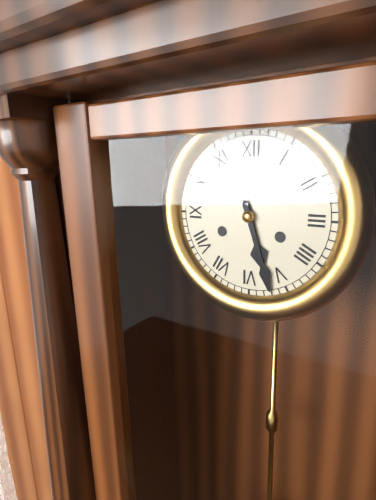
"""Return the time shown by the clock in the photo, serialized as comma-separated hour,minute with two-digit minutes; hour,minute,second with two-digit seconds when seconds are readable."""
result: 5,27
